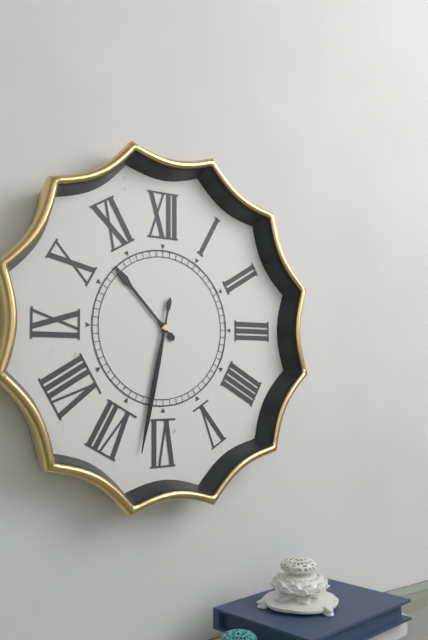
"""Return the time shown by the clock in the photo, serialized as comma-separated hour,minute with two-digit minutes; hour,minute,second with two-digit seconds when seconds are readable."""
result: 10,32
